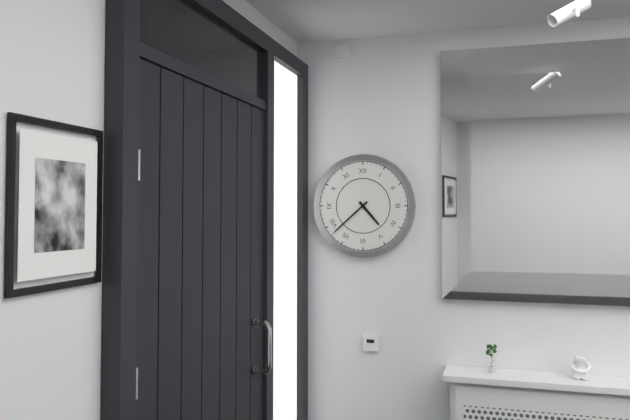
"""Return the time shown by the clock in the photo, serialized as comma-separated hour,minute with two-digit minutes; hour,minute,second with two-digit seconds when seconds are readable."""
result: 4,38
